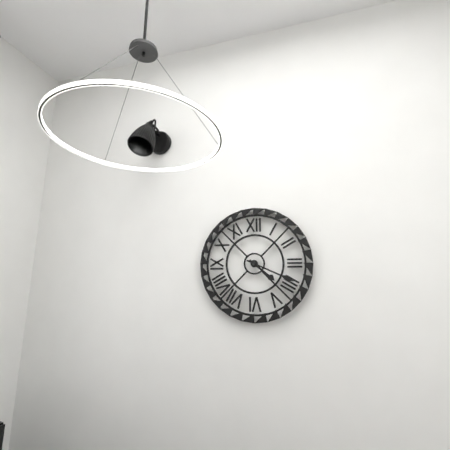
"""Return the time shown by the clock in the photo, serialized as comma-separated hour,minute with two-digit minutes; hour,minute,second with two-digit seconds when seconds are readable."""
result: 4,19
